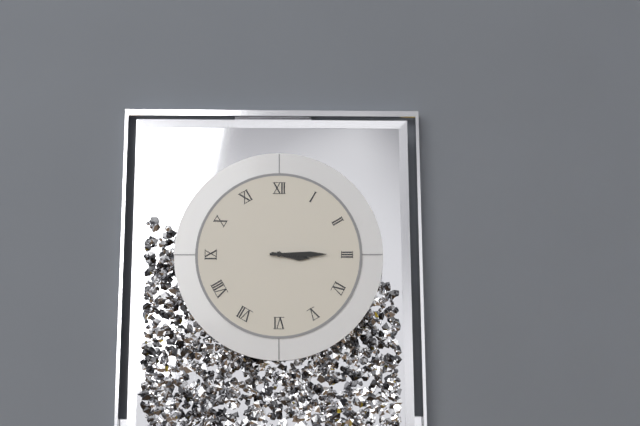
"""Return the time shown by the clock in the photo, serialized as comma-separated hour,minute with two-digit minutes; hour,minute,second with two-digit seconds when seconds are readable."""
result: 3,15
